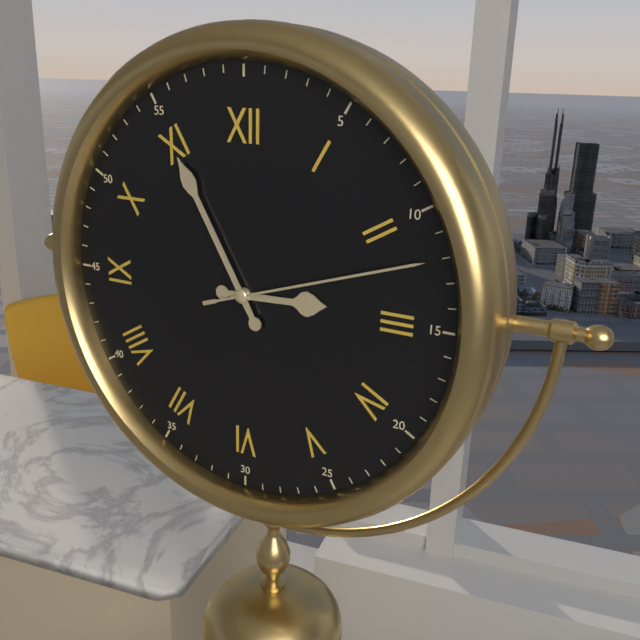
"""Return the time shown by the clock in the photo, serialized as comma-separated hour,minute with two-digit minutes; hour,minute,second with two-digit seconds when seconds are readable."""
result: 2,55,12
